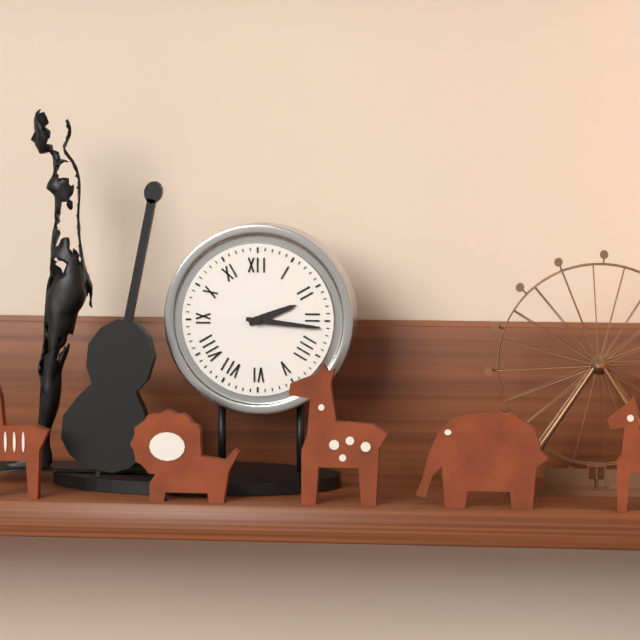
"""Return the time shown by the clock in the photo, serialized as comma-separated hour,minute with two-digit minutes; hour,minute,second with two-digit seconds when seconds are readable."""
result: 2,16
